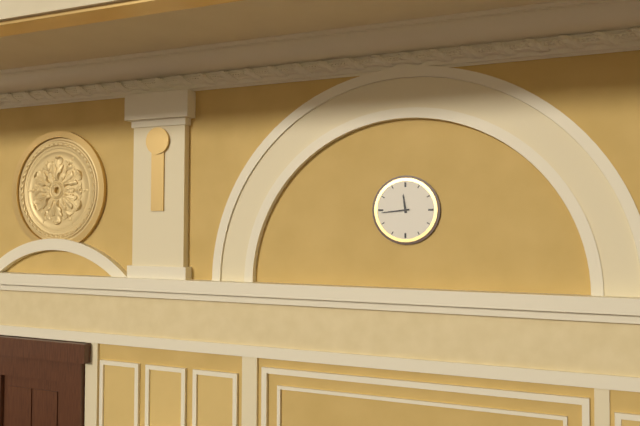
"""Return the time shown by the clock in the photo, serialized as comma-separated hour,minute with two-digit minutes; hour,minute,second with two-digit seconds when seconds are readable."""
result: 11,44
